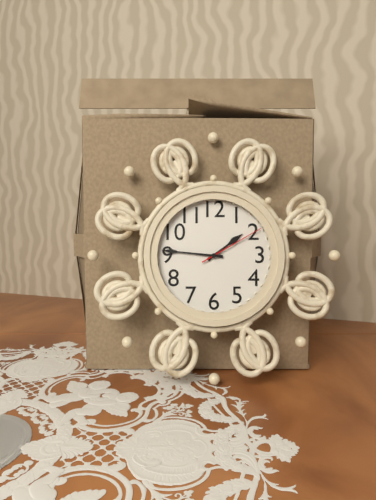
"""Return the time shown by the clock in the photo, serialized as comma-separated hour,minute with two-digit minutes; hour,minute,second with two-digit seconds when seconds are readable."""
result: 1,46,10
